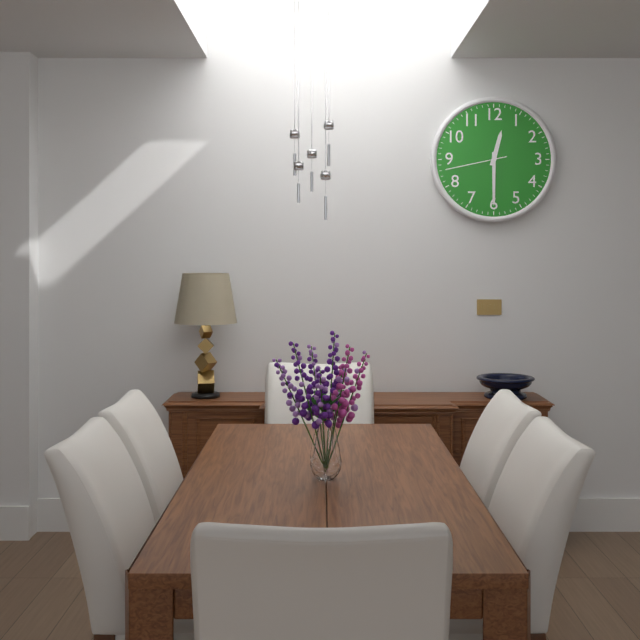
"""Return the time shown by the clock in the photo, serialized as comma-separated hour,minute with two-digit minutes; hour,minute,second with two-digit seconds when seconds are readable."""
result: 12,30,43
